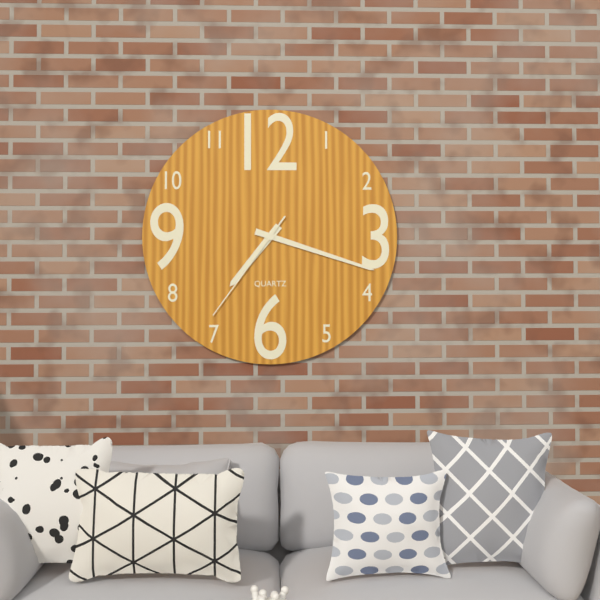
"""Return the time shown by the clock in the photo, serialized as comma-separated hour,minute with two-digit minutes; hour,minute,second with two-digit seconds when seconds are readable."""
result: 7,18,36
